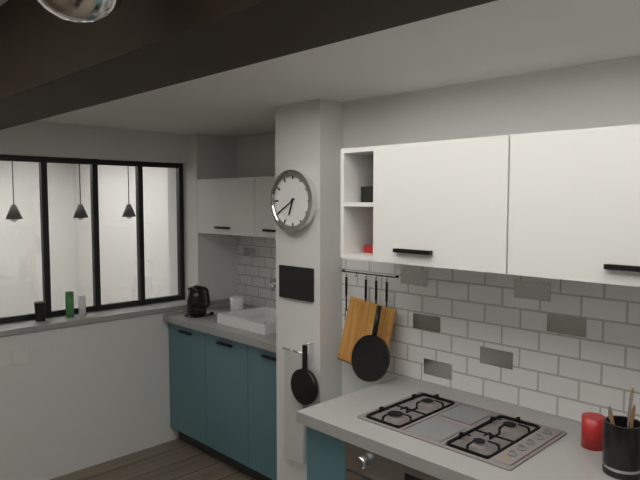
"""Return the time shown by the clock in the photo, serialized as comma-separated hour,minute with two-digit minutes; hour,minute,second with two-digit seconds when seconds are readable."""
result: 6,40
